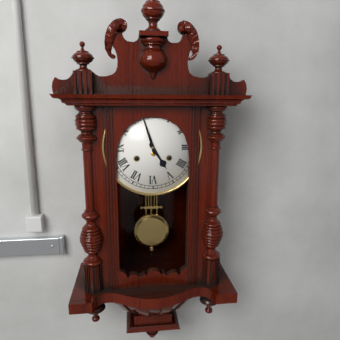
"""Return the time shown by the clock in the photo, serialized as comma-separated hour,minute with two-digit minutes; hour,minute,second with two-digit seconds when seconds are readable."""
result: 4,57
